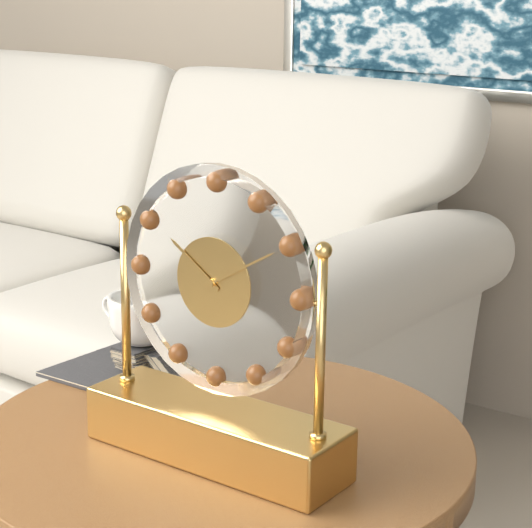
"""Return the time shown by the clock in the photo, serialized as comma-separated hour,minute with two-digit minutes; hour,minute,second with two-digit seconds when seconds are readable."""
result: 10,10
